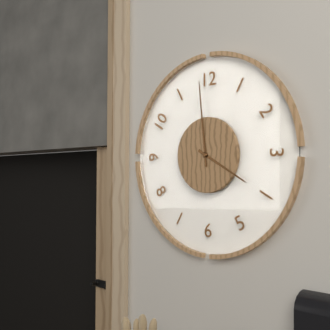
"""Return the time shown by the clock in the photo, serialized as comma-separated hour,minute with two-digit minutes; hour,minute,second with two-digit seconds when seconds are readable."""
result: 3,59
